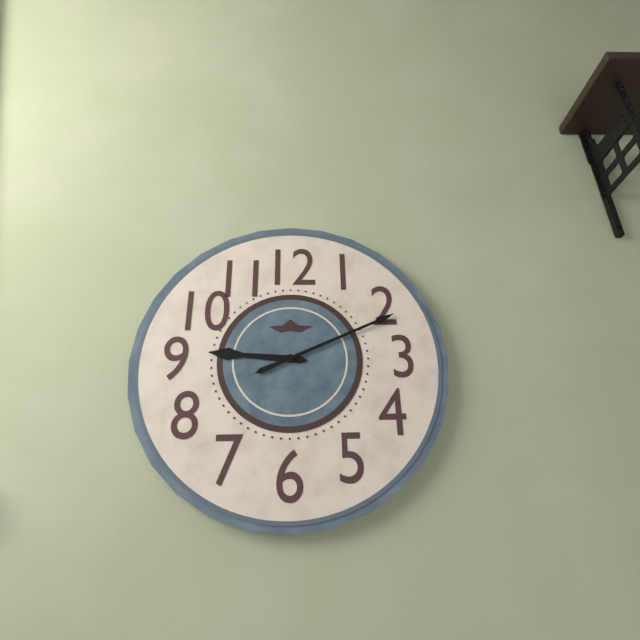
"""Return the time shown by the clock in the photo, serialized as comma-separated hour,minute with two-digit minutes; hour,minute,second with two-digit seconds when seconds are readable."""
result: 9,11
